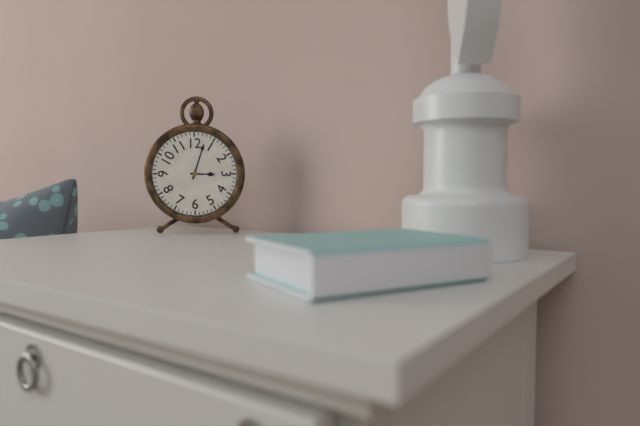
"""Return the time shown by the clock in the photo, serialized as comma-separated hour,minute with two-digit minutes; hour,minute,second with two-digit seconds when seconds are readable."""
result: 3,03
